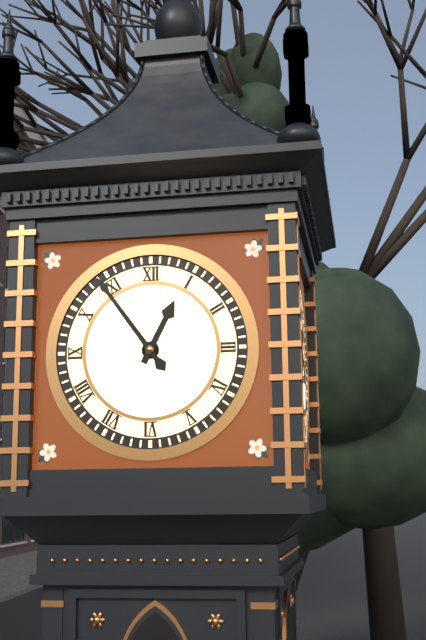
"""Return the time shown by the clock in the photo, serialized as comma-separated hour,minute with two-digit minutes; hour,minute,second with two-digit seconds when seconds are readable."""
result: 12,54
